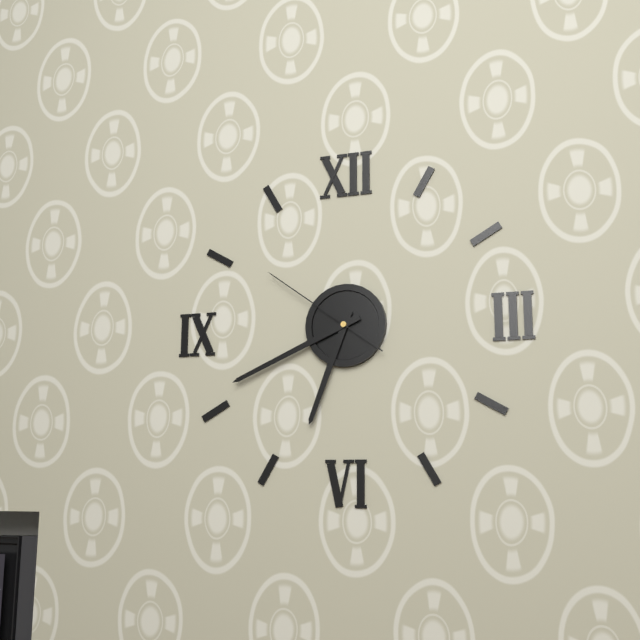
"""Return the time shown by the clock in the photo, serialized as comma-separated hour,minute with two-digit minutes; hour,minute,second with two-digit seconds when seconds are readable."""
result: 6,41,51
